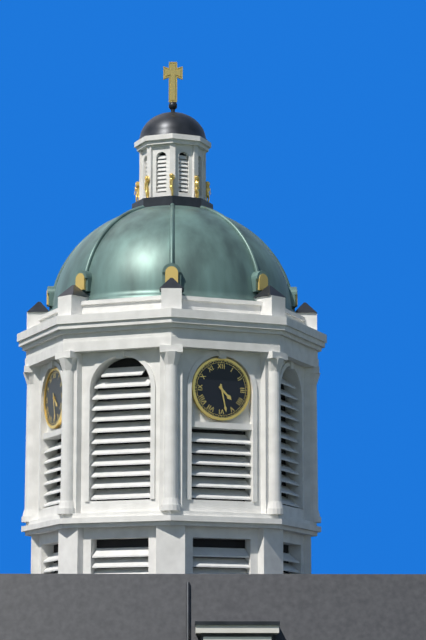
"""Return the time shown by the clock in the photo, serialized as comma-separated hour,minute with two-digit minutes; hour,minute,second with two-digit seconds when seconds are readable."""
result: 4,28
